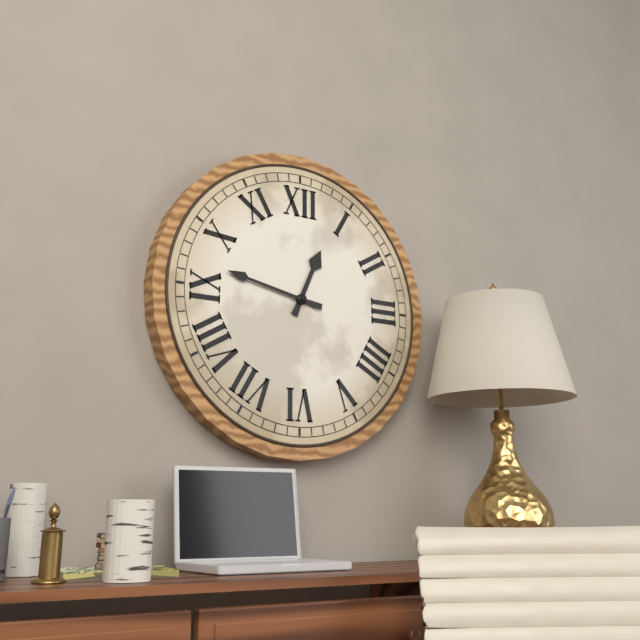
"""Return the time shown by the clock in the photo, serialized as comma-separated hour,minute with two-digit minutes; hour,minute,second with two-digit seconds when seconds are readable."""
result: 12,47
